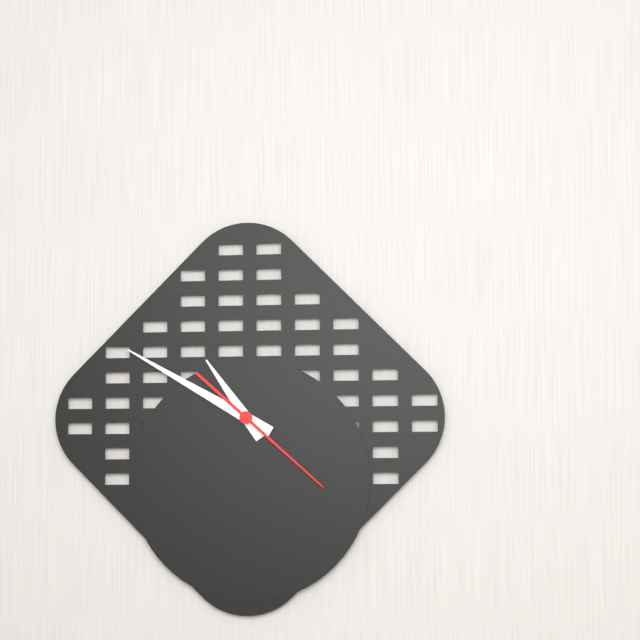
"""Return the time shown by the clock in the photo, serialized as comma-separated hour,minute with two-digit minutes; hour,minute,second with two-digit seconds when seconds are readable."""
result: 10,50,22
